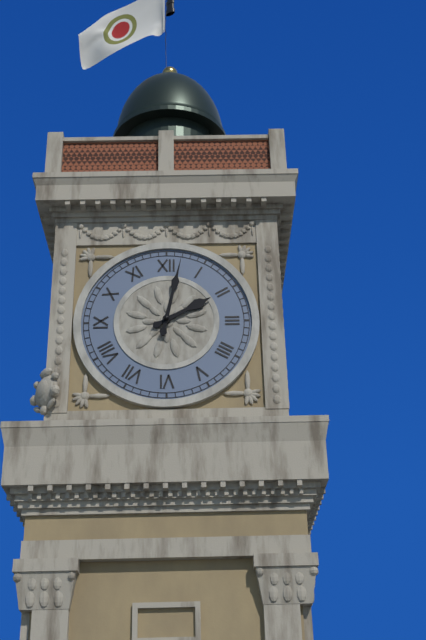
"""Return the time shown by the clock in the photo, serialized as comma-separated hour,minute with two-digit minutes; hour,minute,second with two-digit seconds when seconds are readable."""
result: 2,02
